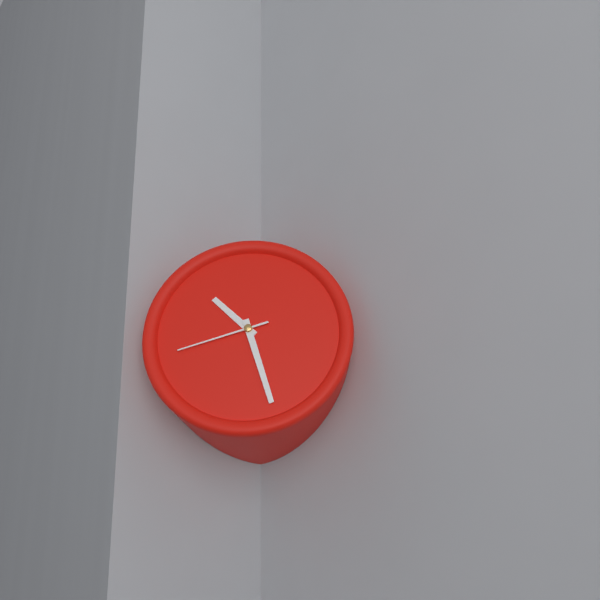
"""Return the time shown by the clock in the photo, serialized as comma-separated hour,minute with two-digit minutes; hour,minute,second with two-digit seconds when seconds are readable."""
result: 10,27,42
